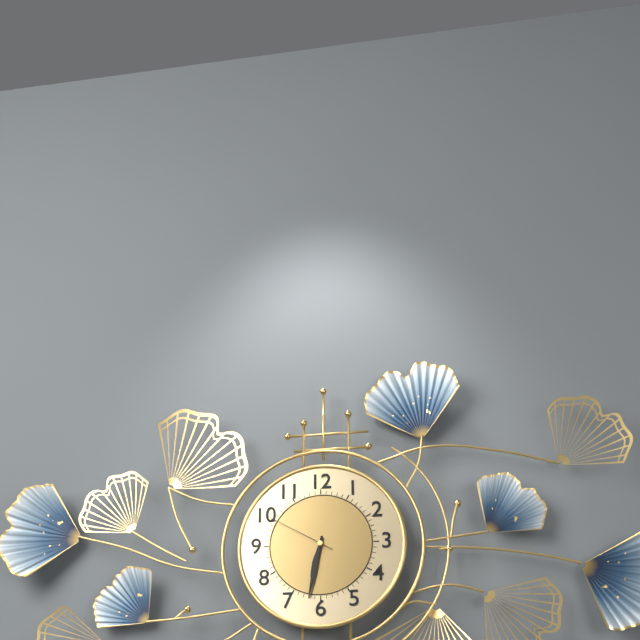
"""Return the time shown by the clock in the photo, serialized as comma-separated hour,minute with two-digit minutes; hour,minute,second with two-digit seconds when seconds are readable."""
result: 6,32,50
